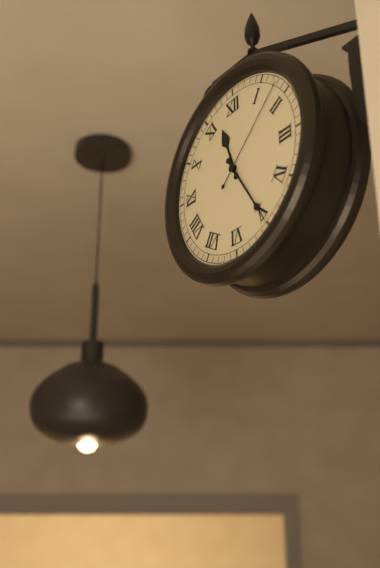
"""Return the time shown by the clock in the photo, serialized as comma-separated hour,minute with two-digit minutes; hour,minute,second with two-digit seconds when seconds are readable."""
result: 11,25,08
